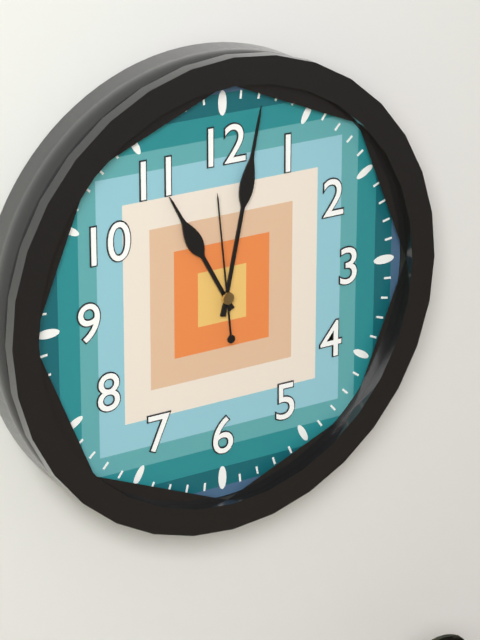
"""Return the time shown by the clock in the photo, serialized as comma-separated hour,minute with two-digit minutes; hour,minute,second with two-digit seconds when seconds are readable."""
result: 11,02,59
